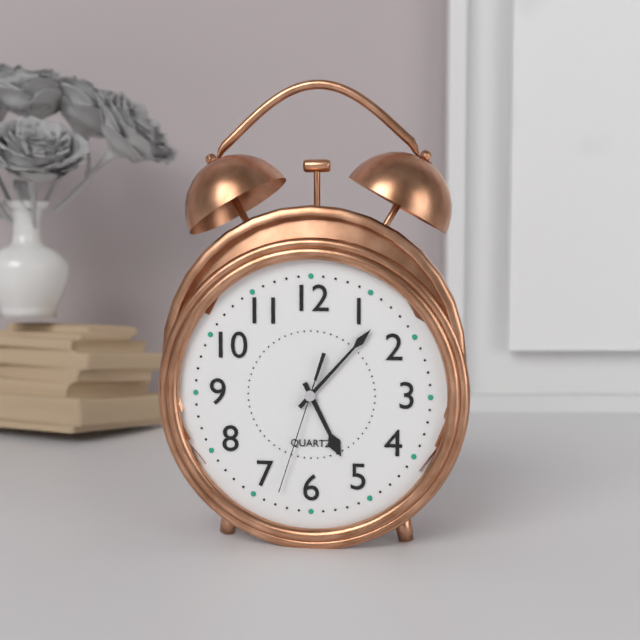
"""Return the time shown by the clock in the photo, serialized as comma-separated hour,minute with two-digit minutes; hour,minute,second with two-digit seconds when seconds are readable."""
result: 5,07,33
